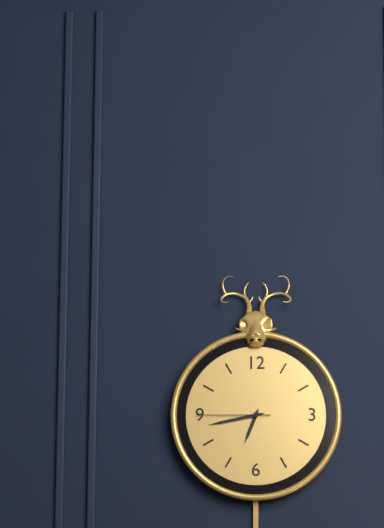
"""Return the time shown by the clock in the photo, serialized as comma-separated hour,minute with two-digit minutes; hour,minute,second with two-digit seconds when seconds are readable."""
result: 6,43,45
